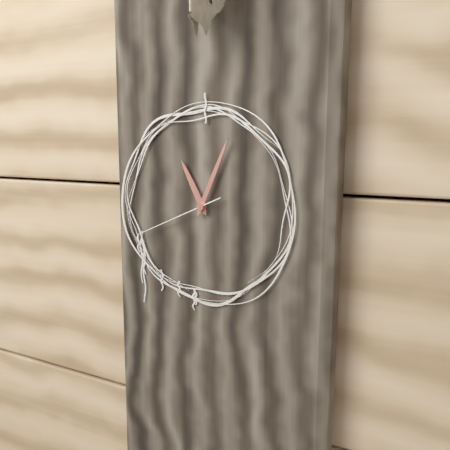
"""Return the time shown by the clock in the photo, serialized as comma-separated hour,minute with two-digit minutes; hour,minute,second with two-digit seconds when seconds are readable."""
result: 11,04,41
